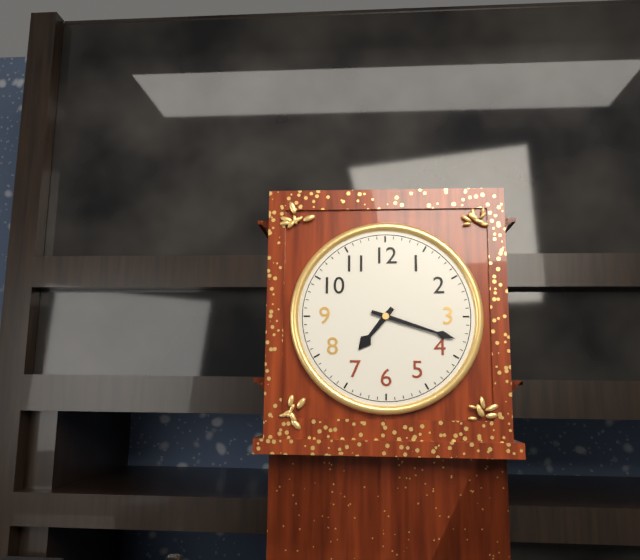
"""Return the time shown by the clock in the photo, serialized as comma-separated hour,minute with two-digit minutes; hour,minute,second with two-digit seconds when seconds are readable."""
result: 7,18
